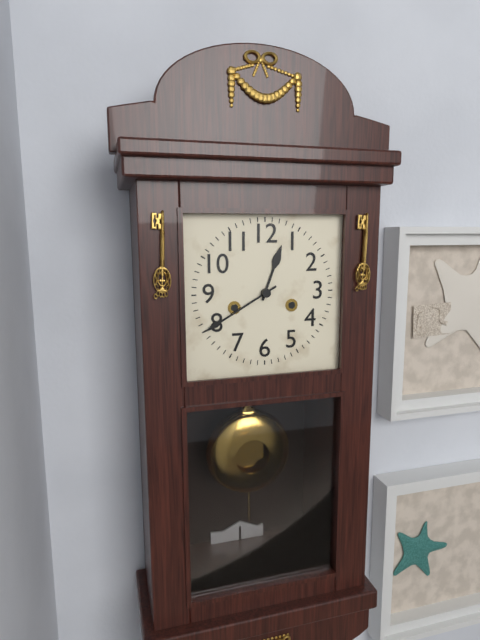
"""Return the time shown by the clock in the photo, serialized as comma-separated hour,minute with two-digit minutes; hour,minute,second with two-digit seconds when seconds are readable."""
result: 12,40
